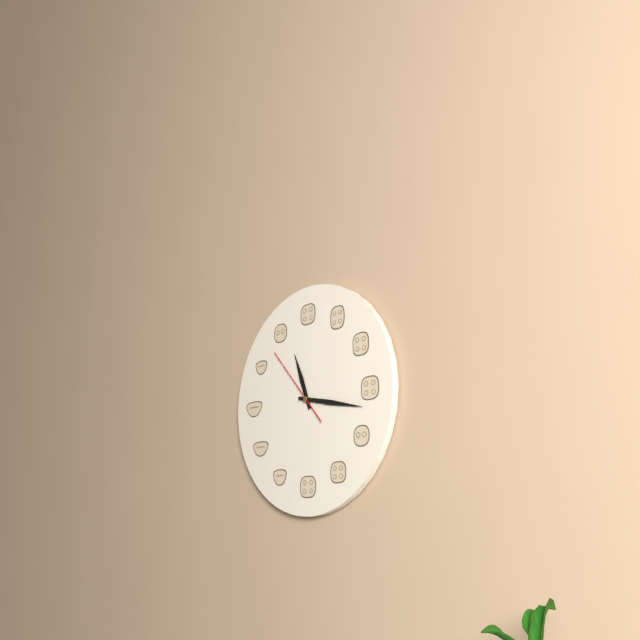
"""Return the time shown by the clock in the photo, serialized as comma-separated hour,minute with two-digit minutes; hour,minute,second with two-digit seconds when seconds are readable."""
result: 11,17,53
